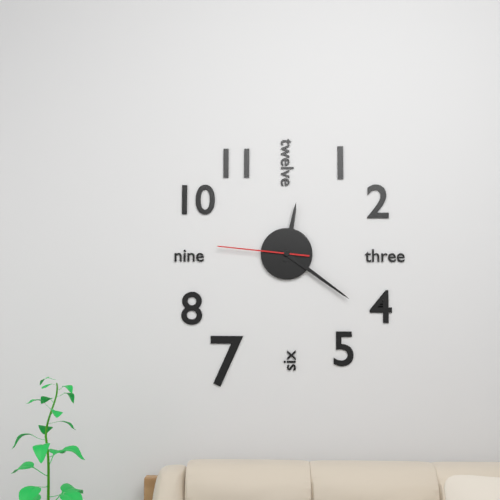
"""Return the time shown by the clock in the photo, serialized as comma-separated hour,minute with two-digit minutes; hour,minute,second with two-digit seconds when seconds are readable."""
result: 12,21,46
